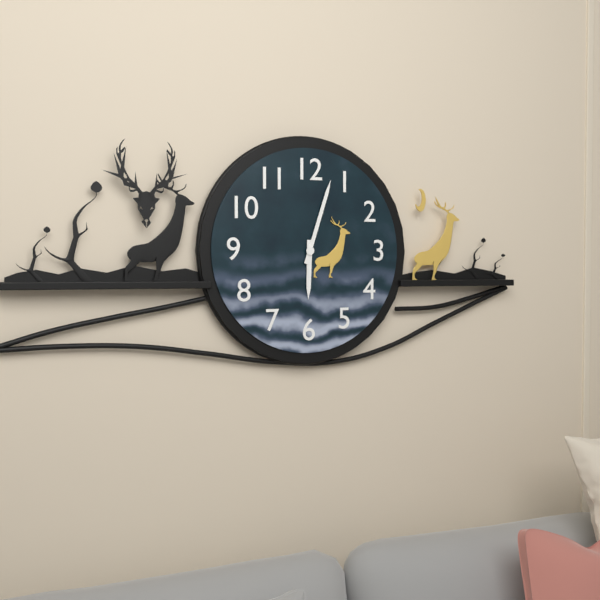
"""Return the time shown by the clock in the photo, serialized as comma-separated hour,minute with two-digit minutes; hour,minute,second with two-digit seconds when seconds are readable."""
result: 6,03
